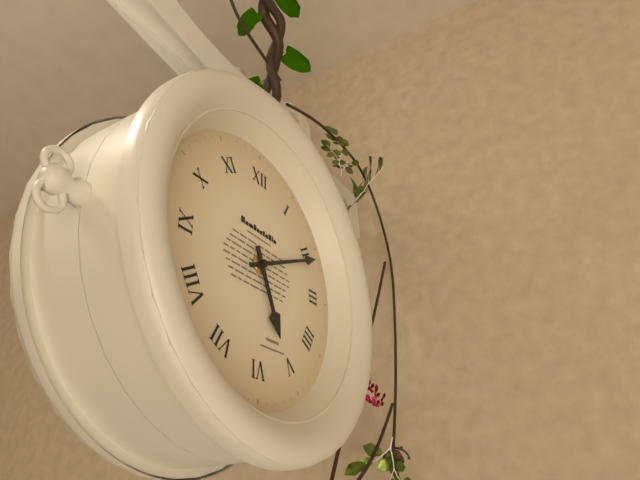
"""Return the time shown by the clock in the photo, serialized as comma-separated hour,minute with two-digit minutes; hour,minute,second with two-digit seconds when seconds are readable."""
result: 5,11
